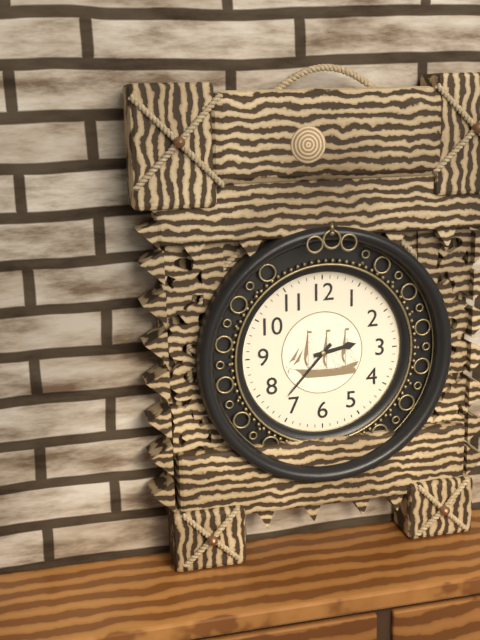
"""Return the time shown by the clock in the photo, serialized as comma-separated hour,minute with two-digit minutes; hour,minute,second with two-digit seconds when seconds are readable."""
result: 2,37
